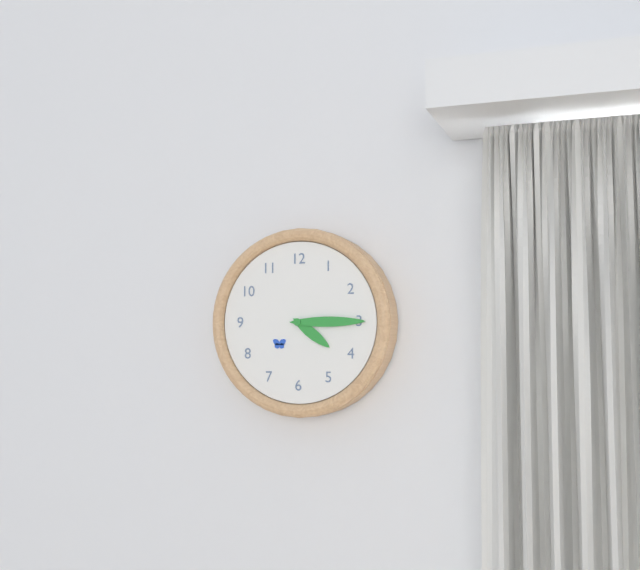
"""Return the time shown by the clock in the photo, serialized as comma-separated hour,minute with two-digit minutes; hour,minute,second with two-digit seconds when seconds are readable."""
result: 4,15
